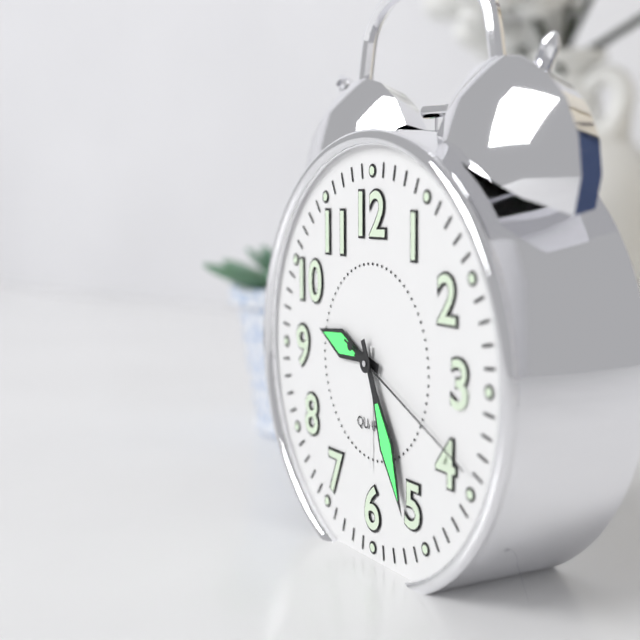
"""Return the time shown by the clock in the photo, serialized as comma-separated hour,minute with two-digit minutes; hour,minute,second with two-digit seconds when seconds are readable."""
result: 9,26,19
